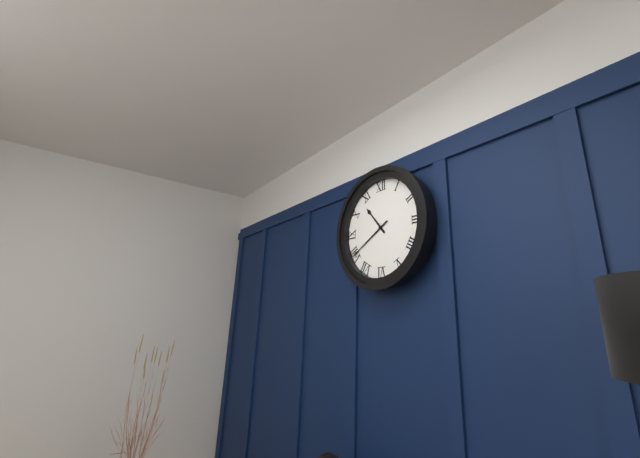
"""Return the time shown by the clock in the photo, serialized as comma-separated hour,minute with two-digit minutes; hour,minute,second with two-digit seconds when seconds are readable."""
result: 10,40
